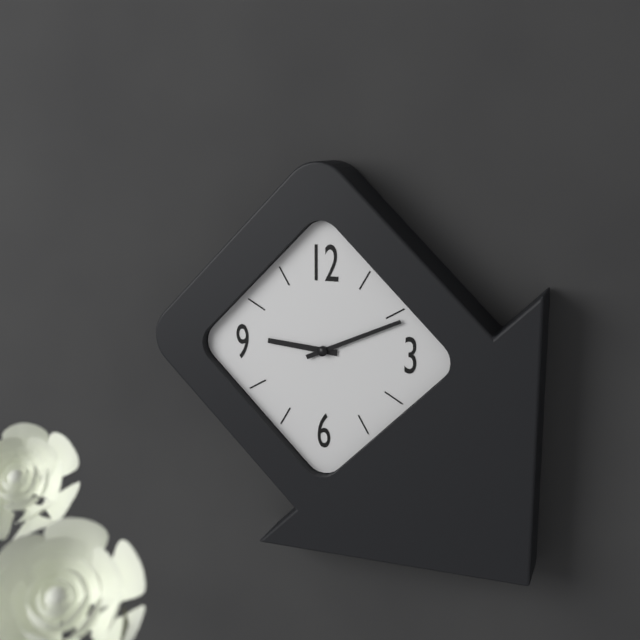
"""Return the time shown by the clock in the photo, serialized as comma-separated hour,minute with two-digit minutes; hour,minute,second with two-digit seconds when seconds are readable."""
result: 9,11
